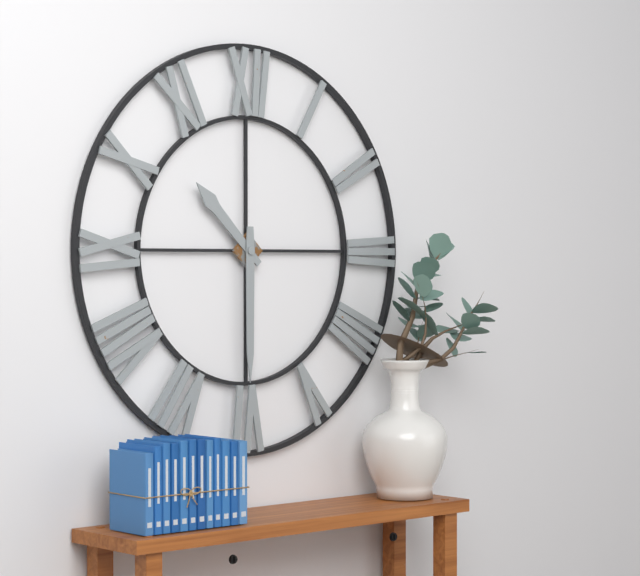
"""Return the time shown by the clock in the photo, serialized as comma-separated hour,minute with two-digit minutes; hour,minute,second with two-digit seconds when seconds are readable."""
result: 10,30
